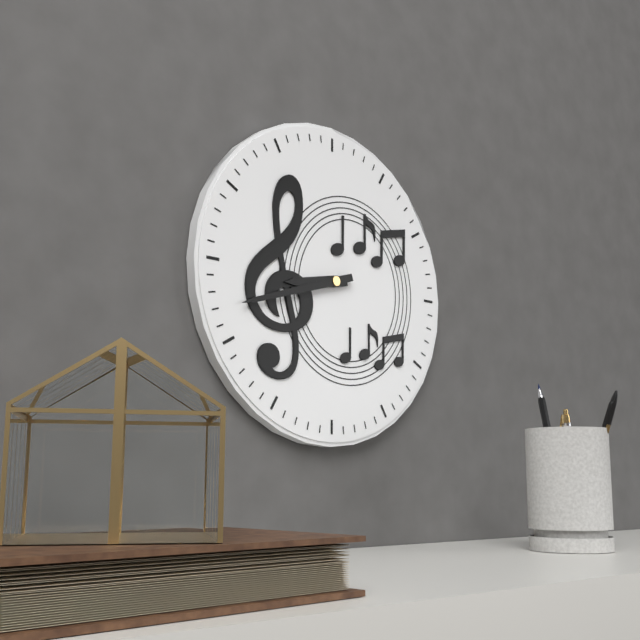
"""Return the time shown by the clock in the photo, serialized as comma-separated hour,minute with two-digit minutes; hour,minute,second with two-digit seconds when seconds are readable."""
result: 8,42
